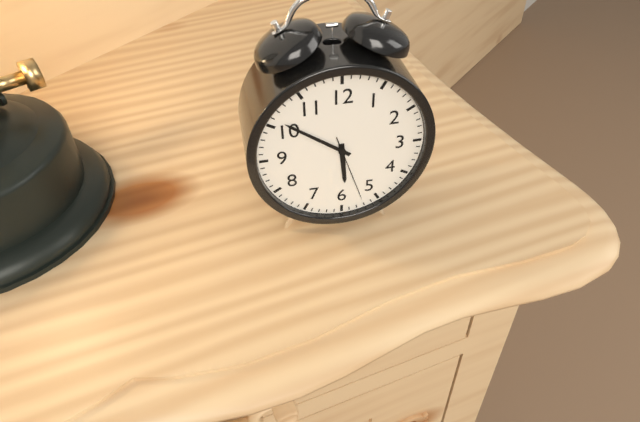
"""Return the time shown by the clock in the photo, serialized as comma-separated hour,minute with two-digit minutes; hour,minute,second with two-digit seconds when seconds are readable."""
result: 5,51,27
